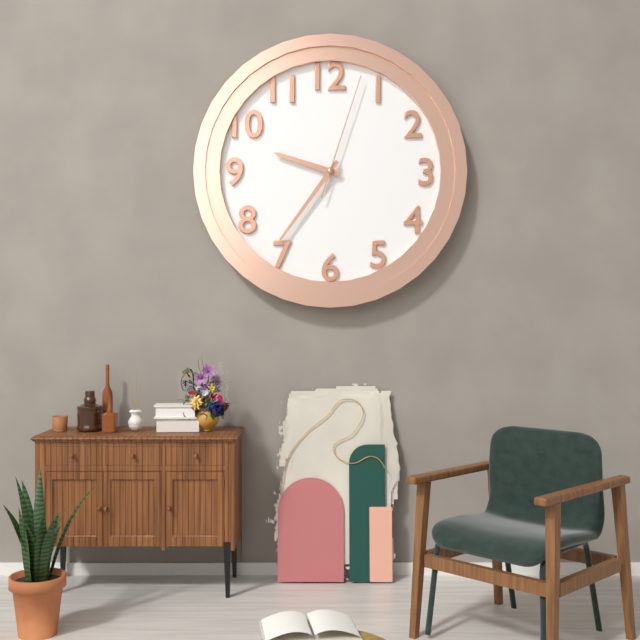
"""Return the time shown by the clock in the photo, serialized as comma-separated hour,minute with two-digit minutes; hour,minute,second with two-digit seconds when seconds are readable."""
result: 9,36,03
